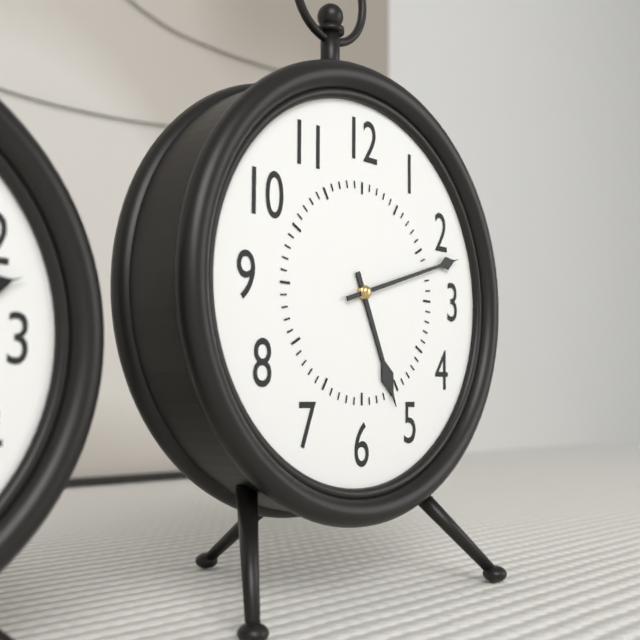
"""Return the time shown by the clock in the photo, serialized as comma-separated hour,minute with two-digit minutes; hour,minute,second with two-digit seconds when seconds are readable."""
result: 5,12
